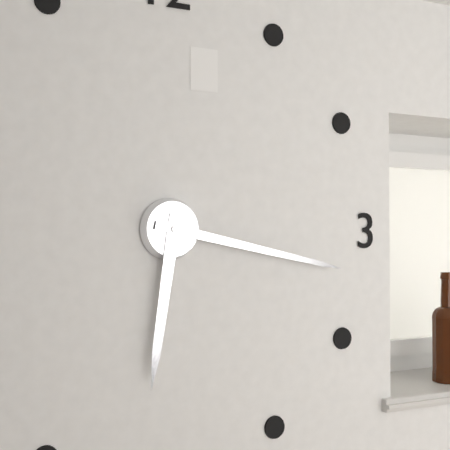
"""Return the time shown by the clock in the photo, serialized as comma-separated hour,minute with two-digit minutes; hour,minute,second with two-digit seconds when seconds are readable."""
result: 6,17
